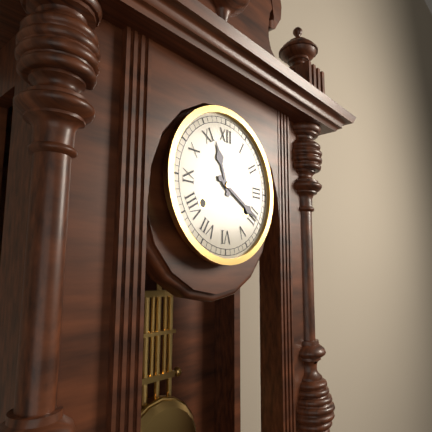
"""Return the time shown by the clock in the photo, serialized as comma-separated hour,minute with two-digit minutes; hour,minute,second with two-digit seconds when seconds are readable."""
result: 11,20
